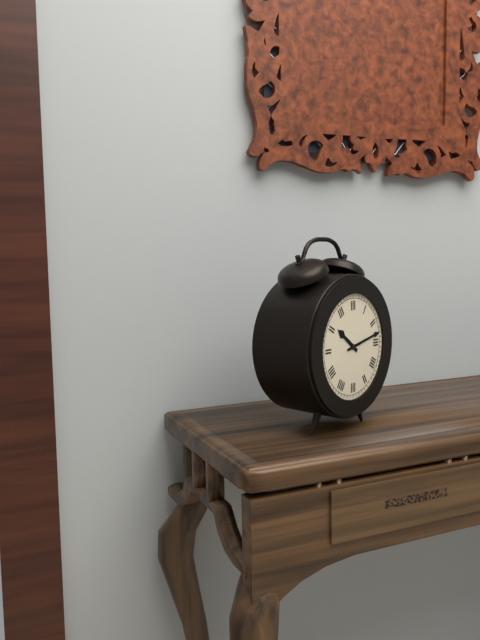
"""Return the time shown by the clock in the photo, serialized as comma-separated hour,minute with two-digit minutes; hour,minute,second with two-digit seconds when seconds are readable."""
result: 10,13
